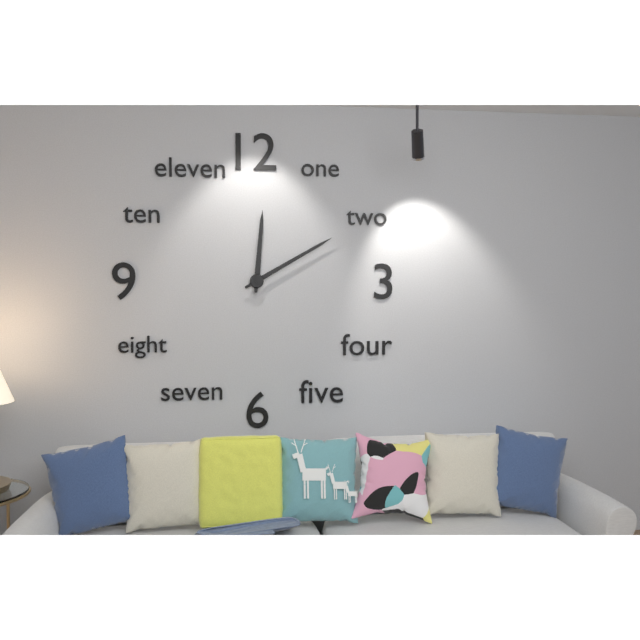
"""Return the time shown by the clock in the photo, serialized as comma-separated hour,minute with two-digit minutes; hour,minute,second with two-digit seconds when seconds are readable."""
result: 12,10
